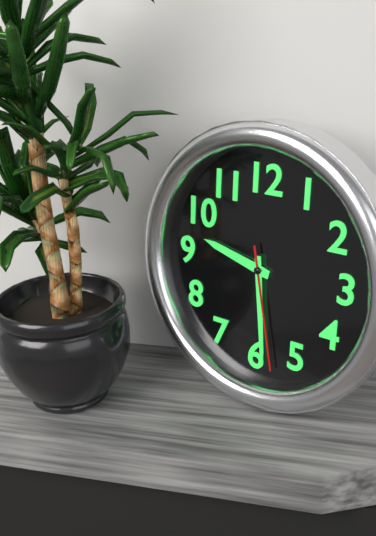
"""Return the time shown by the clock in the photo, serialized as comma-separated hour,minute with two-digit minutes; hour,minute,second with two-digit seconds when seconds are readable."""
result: 9,29,28
